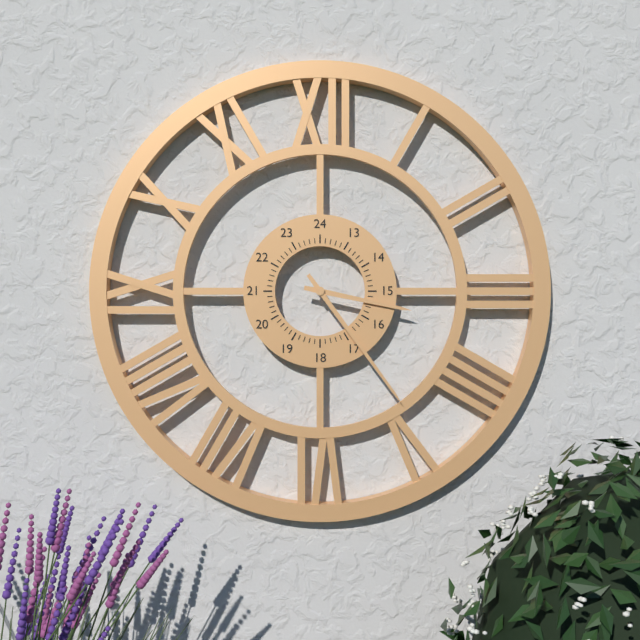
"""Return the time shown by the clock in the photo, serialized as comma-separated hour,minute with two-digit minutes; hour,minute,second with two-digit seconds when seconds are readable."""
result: 3,24
